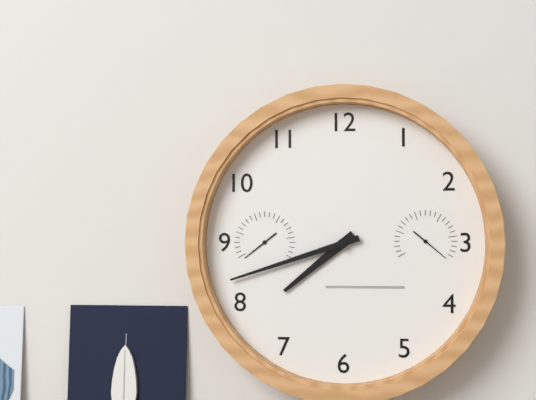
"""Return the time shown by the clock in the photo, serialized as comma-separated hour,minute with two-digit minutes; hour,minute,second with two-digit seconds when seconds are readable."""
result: 7,42
